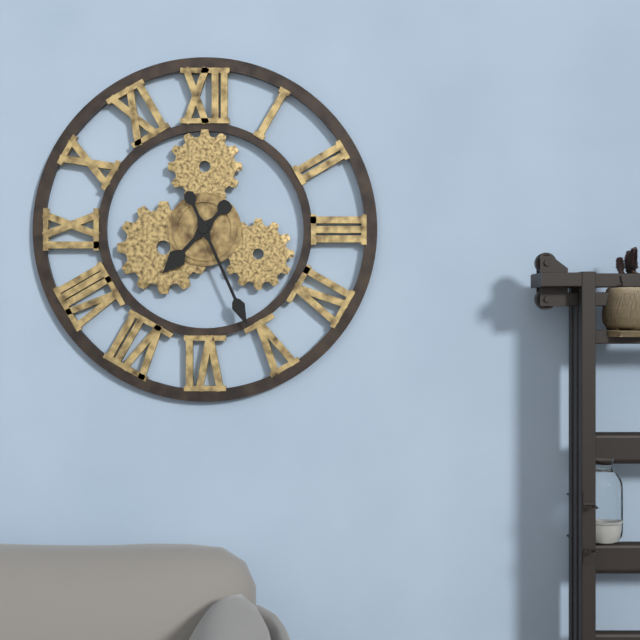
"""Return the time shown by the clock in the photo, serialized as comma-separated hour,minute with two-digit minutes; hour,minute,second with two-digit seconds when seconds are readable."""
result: 7,26
